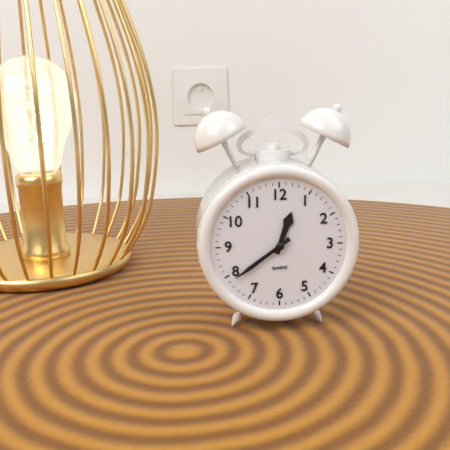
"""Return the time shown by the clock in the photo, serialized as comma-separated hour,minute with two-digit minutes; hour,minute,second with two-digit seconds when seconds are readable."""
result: 12,39
